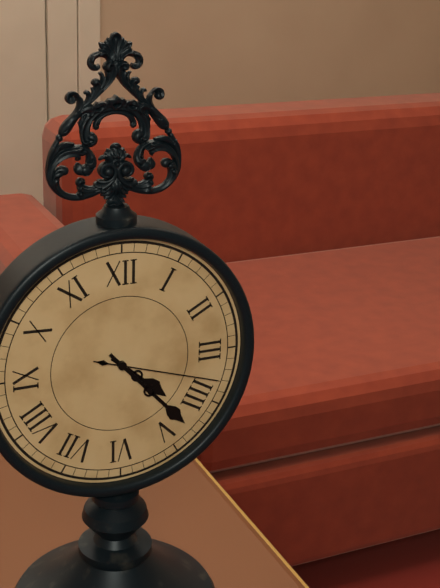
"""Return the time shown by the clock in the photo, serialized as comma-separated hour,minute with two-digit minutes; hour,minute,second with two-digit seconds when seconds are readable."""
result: 4,23,18
